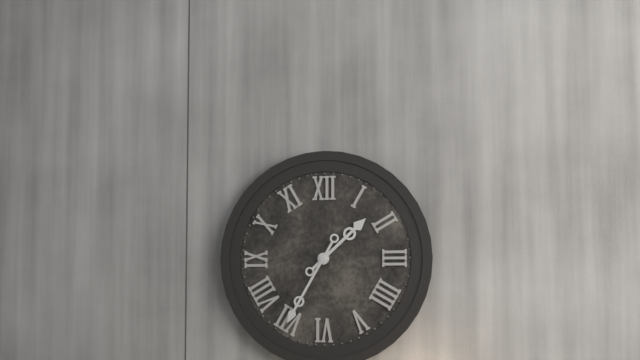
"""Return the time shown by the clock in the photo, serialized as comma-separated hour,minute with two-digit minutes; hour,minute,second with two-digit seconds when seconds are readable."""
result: 1,35
